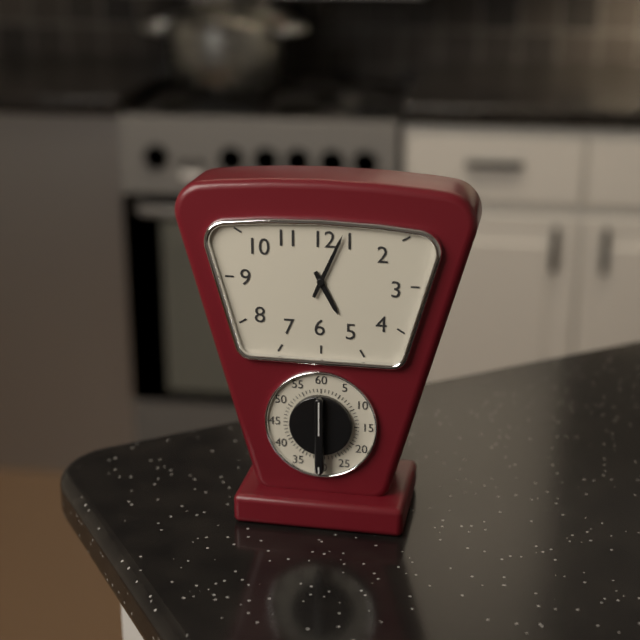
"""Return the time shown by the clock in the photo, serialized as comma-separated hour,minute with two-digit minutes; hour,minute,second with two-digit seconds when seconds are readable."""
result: 5,04
